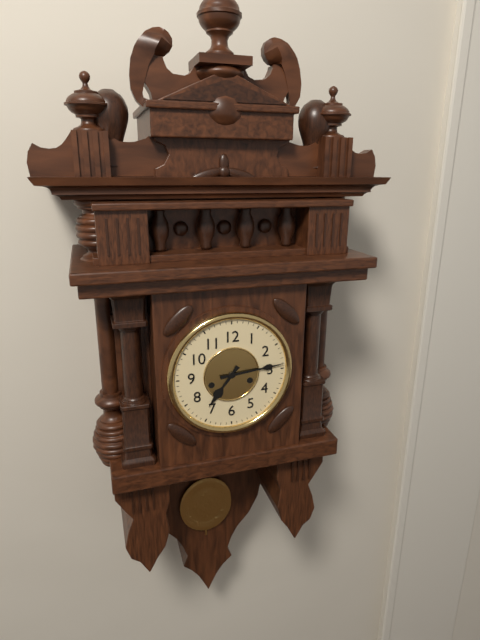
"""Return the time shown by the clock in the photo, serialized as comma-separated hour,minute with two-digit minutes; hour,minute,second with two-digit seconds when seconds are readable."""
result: 7,14
